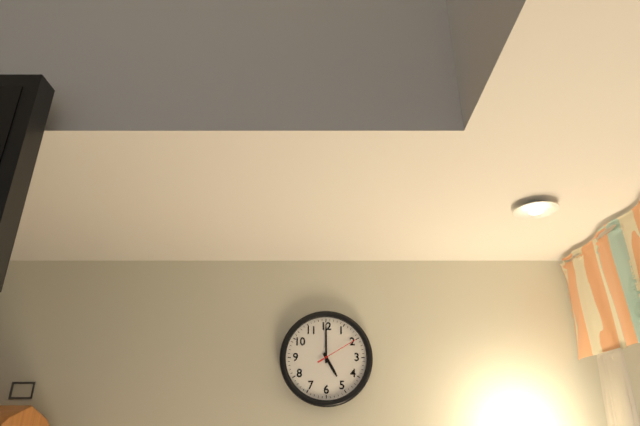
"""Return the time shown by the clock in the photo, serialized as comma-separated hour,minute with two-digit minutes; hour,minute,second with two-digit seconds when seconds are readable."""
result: 5,00
